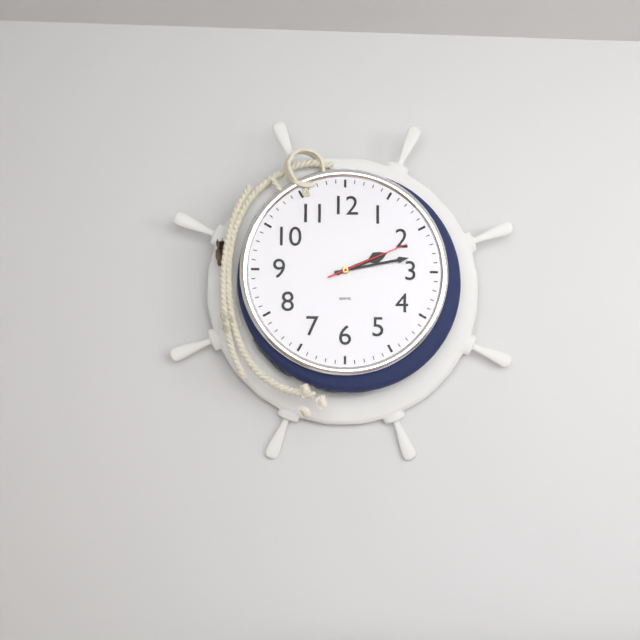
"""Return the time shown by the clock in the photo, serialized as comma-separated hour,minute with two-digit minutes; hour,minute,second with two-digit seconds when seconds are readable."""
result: 2,13,11
